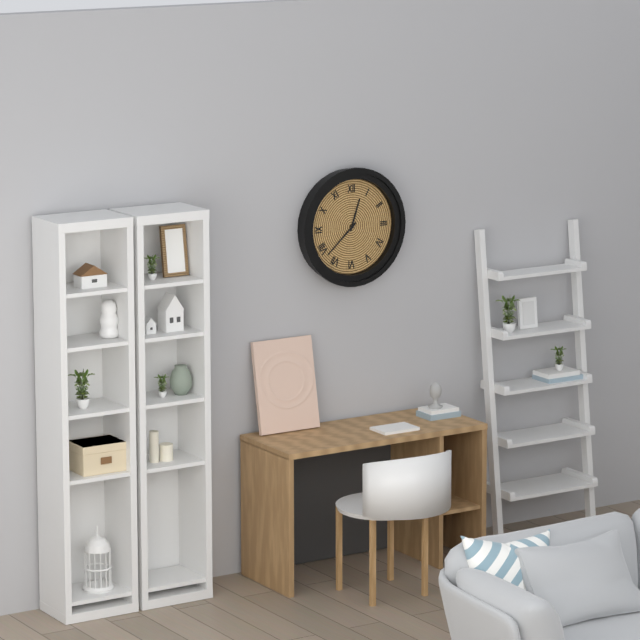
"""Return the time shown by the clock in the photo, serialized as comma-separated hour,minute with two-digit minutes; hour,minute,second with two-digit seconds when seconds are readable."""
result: 12,38
